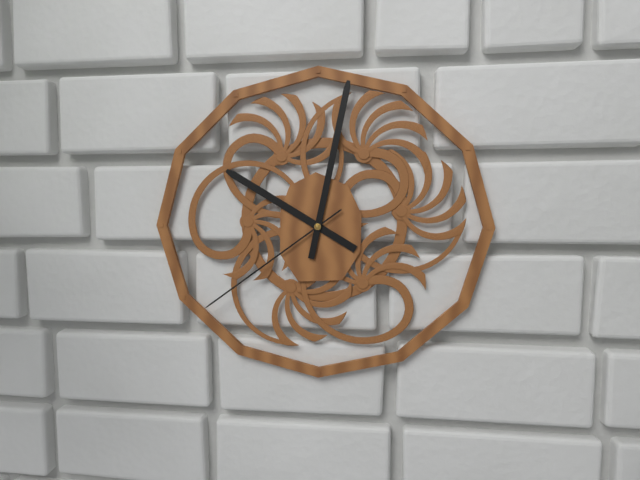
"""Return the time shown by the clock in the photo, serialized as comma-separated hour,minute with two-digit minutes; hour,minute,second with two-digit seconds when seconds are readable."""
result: 10,02,39
